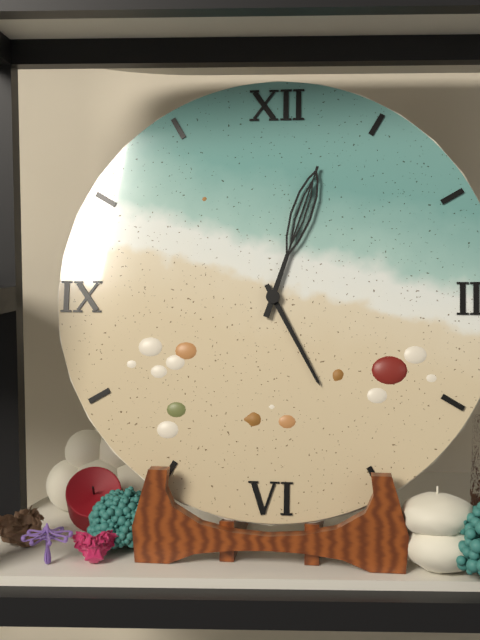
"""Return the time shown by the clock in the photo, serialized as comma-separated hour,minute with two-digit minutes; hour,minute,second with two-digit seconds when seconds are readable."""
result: 5,03
